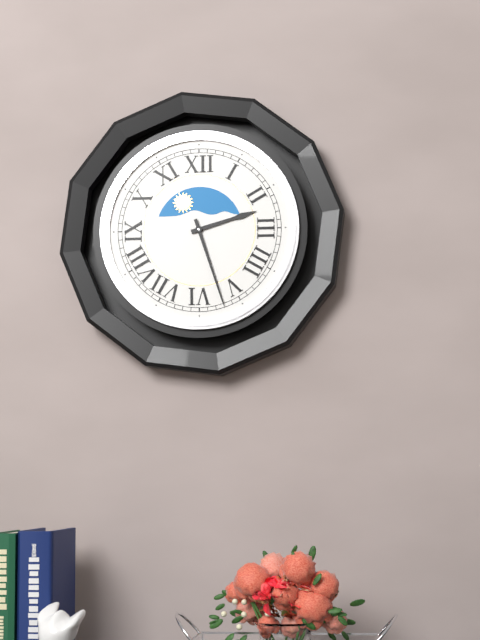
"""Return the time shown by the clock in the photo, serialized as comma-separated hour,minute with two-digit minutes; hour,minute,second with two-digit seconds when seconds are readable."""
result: 2,27
